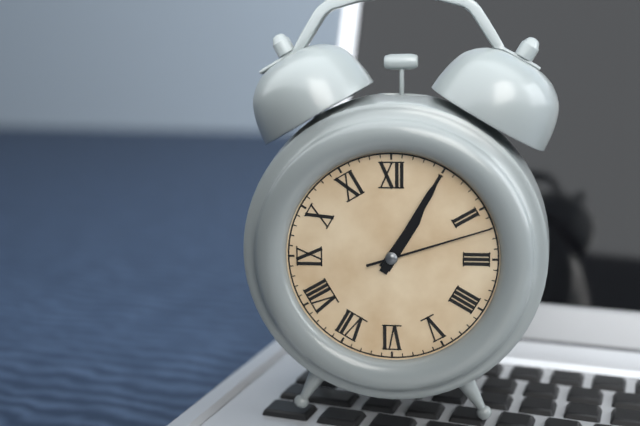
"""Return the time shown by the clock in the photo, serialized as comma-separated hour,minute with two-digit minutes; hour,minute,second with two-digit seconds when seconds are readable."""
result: 1,05,12
